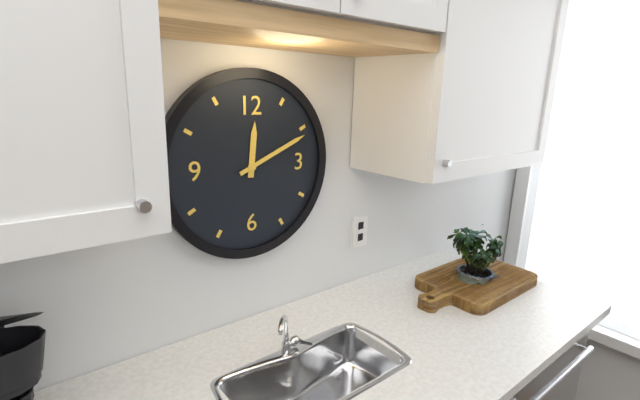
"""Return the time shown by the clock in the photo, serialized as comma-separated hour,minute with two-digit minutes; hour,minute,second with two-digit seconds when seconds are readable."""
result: 12,11
